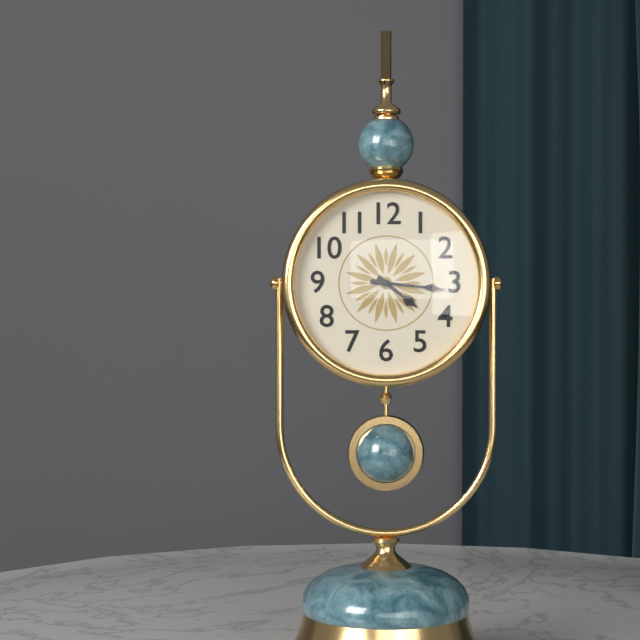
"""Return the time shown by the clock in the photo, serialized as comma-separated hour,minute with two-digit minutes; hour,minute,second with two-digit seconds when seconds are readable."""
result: 4,16
